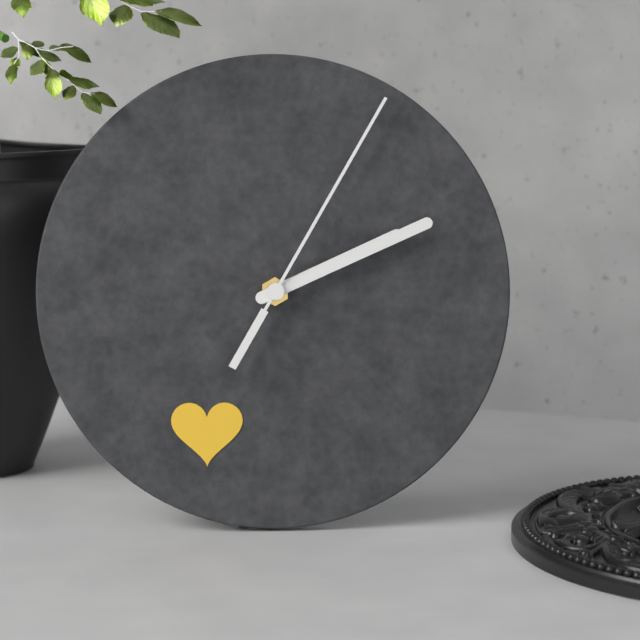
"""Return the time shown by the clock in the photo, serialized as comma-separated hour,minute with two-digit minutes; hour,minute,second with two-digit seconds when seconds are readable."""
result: 2,11,05
